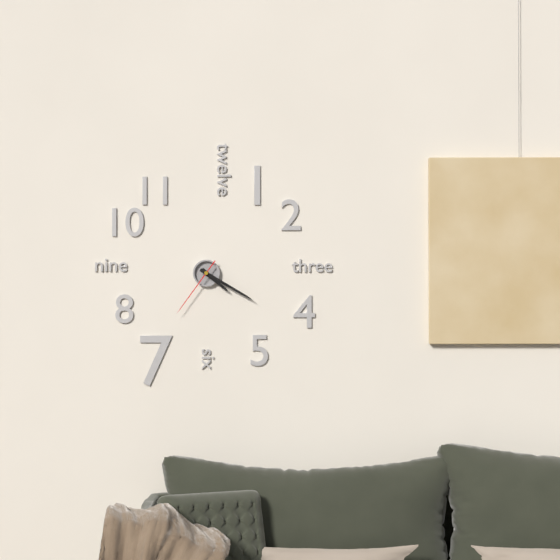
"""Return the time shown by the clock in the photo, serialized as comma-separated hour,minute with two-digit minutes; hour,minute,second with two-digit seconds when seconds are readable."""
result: 4,20,36
